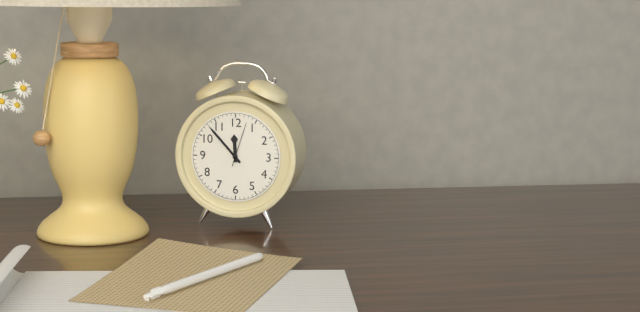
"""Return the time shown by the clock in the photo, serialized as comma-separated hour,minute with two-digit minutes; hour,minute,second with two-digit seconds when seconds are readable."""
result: 11,53
